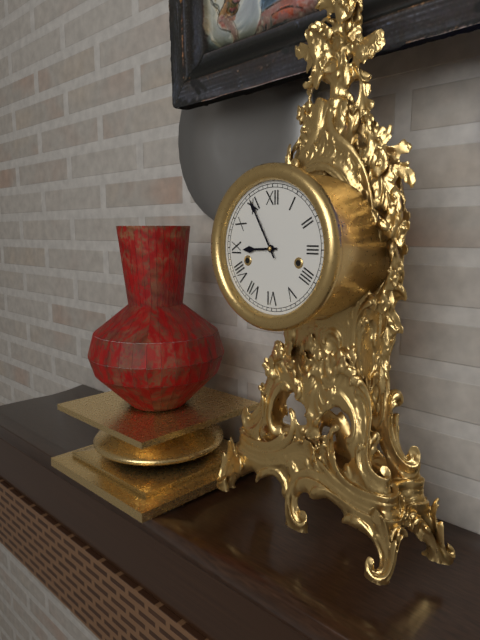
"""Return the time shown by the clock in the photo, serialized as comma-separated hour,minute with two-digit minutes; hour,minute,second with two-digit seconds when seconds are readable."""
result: 8,55
